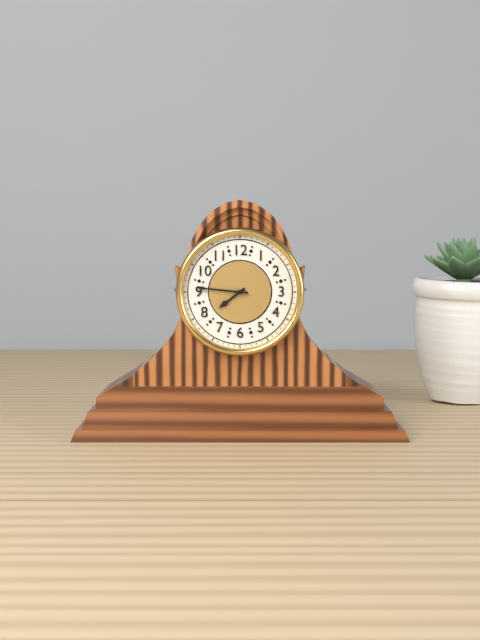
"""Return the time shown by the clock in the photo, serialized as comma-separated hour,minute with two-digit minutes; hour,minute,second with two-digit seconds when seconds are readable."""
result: 7,46
